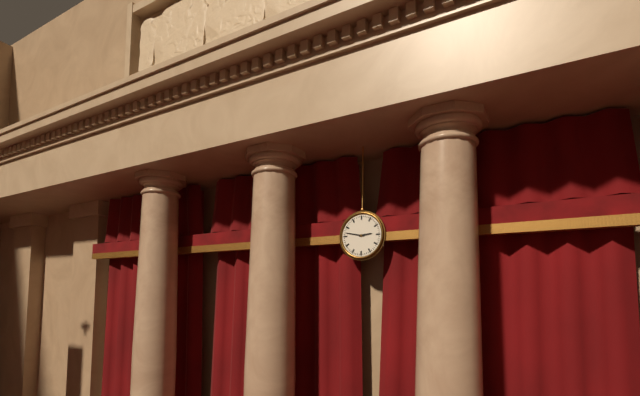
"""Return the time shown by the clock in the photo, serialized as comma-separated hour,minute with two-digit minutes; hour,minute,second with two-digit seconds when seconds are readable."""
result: 2,47
